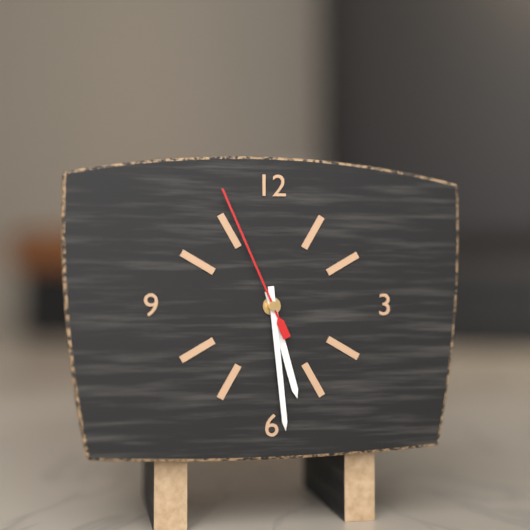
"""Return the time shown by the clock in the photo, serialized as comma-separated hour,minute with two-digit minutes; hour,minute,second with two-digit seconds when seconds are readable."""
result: 5,29,56
